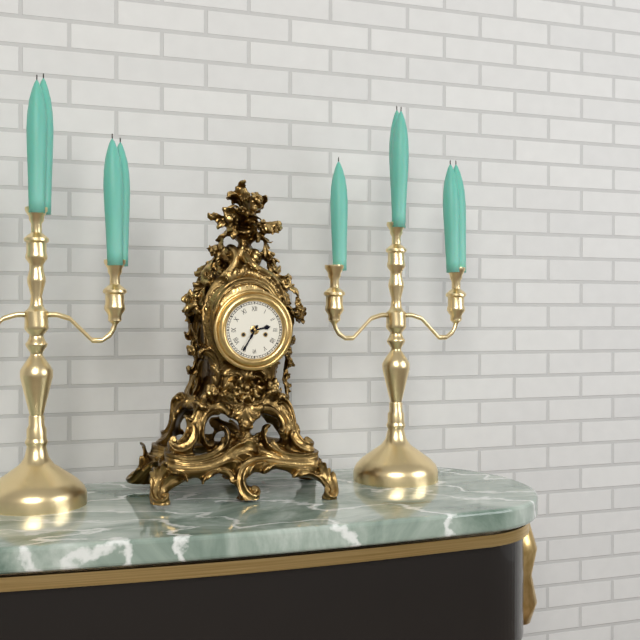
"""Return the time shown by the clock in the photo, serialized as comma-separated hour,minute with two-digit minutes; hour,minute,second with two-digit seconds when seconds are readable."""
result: 2,35
